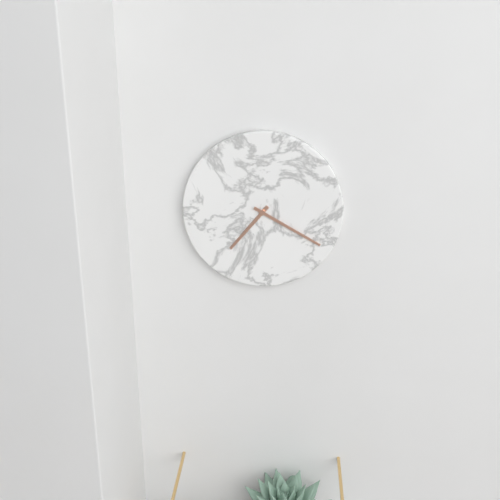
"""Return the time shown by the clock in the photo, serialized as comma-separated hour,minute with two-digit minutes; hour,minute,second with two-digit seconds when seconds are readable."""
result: 7,20
